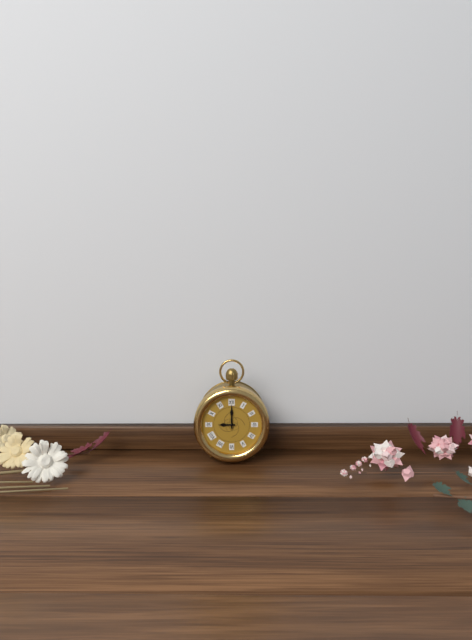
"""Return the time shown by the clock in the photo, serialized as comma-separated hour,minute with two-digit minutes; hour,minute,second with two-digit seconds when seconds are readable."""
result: 9,00
